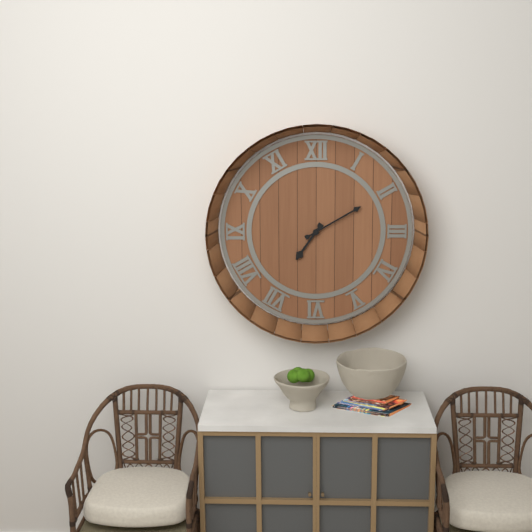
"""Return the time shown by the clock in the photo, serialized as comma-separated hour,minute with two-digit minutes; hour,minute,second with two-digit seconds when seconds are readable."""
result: 7,10
